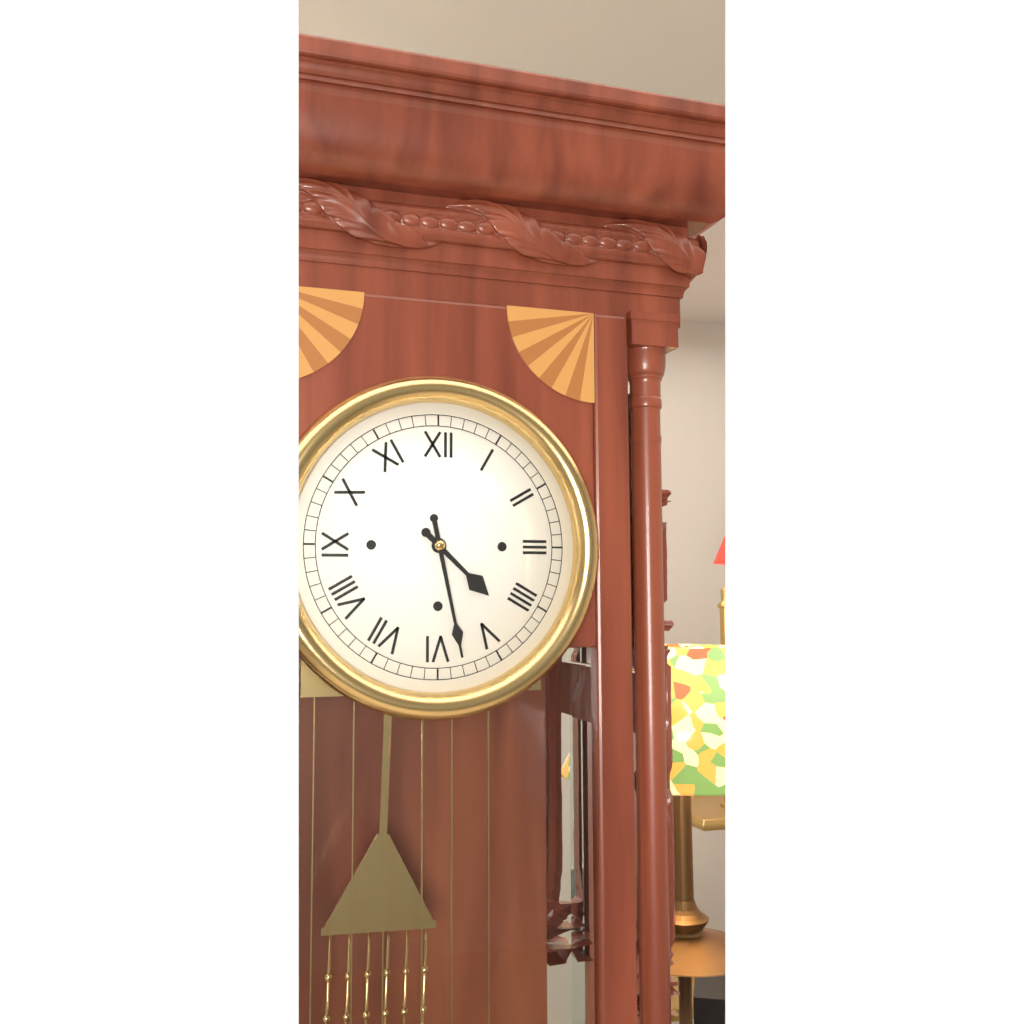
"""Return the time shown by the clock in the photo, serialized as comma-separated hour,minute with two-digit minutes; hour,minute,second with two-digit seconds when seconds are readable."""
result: 4,28
